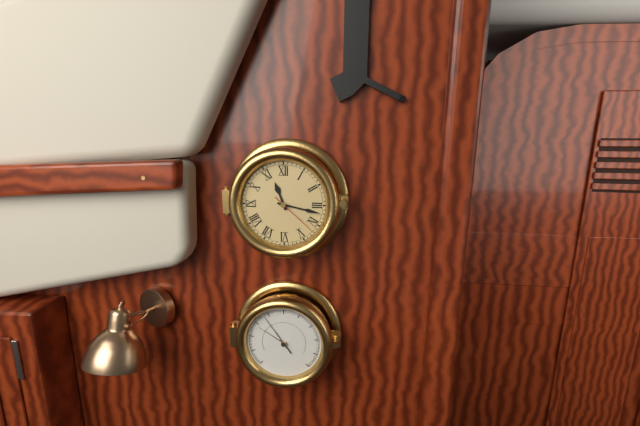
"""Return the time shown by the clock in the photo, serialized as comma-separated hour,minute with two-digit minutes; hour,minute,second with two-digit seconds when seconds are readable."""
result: 11,17
